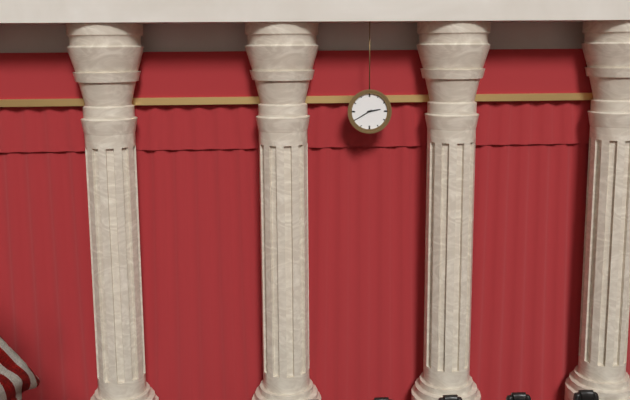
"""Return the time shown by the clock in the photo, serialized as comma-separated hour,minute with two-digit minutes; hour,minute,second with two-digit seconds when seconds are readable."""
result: 2,40
